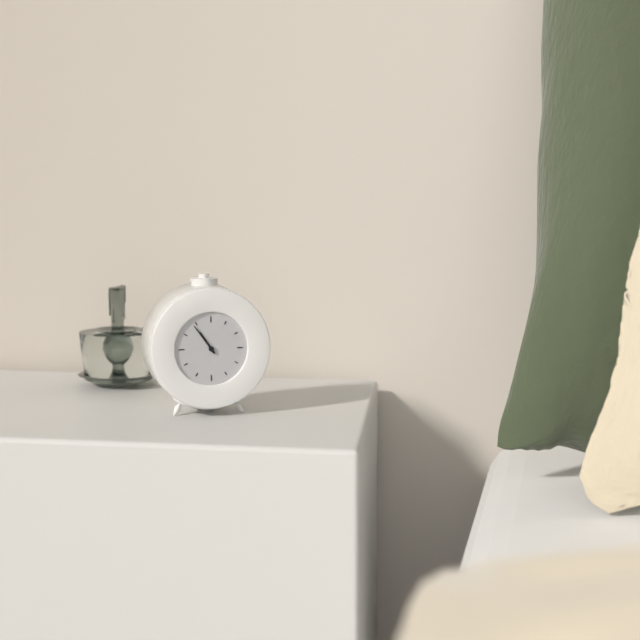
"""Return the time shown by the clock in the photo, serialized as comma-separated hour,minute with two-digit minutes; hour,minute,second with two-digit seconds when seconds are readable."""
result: 10,54
